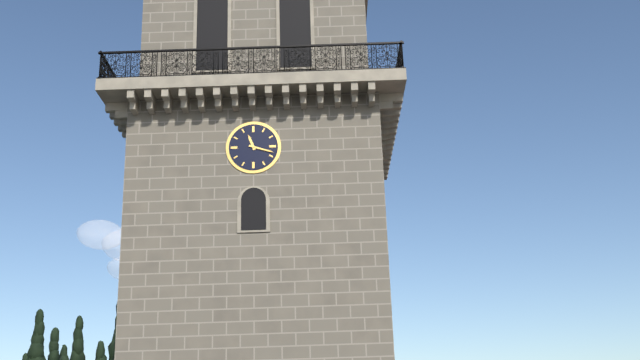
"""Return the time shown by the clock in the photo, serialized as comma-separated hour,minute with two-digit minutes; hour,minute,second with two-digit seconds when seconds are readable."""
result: 11,18
